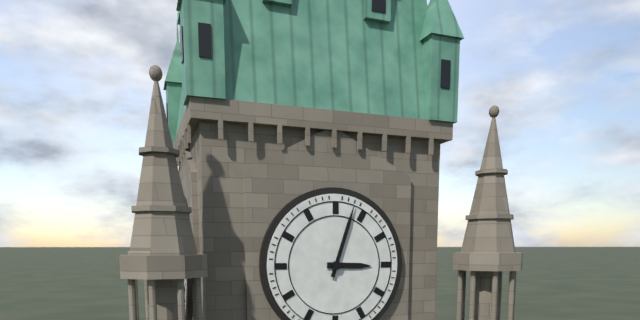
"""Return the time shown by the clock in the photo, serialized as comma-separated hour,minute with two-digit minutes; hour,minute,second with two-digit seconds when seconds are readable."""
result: 3,03
